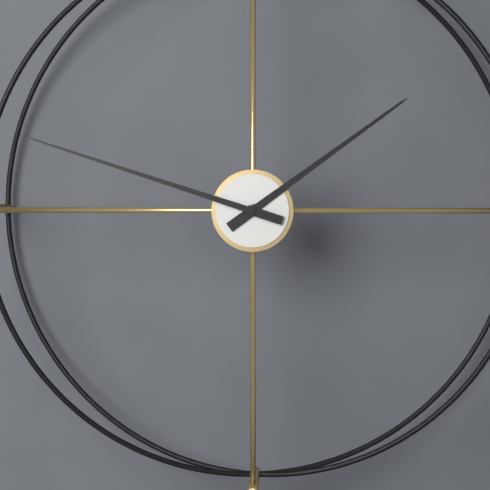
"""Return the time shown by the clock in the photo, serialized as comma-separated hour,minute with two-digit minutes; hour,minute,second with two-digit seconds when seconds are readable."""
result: 1,48
